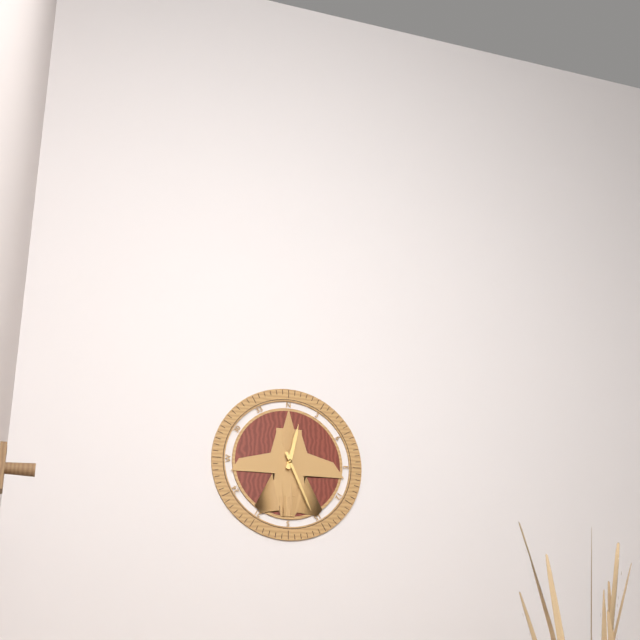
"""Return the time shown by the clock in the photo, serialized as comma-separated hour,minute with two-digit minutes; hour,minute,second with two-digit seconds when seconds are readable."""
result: 12,26
